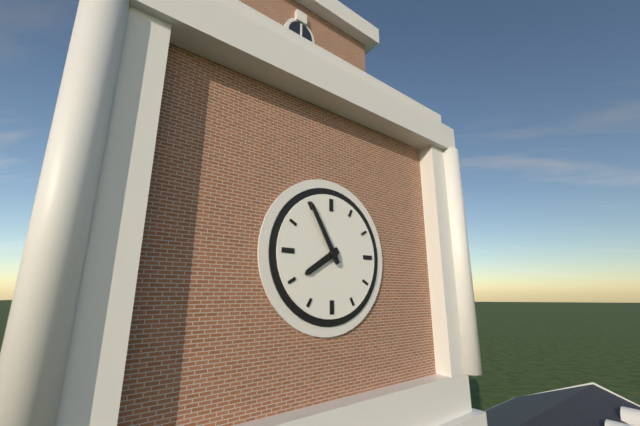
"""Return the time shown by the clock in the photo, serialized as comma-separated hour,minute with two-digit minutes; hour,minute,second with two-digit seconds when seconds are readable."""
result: 7,55
